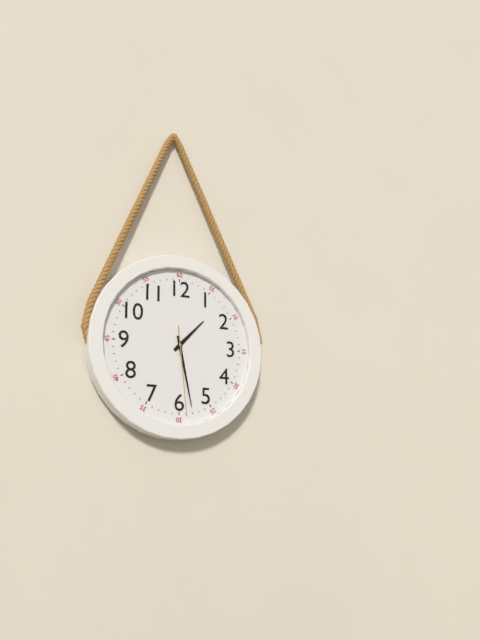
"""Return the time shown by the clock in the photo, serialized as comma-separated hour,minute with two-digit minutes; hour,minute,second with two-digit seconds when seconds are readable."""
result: 1,28,29
